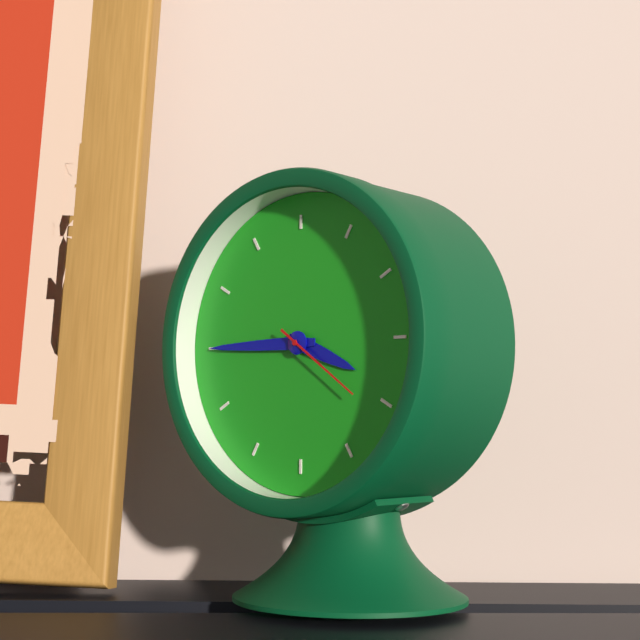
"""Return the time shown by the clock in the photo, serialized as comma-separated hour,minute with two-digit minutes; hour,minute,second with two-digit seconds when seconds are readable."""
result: 3,45,21
